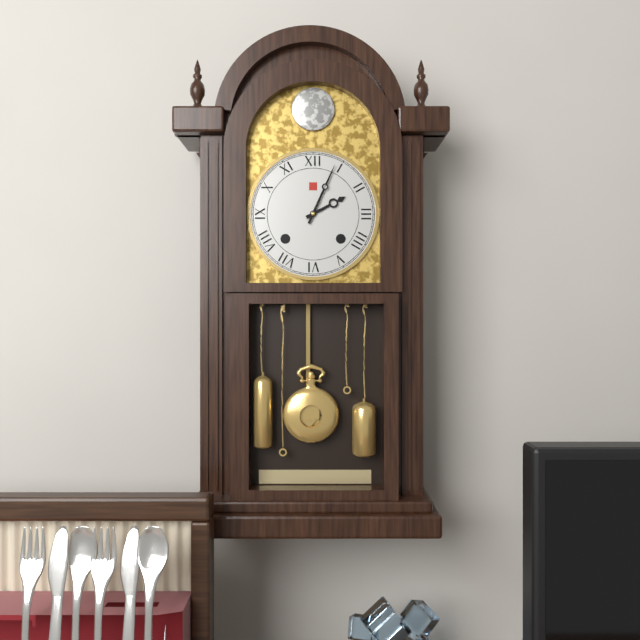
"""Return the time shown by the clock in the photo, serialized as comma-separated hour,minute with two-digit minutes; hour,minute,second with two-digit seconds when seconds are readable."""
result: 2,04
